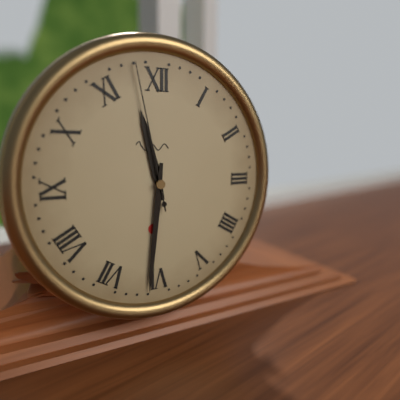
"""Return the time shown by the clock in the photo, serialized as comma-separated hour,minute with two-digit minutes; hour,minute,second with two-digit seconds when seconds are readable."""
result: 11,31,58
